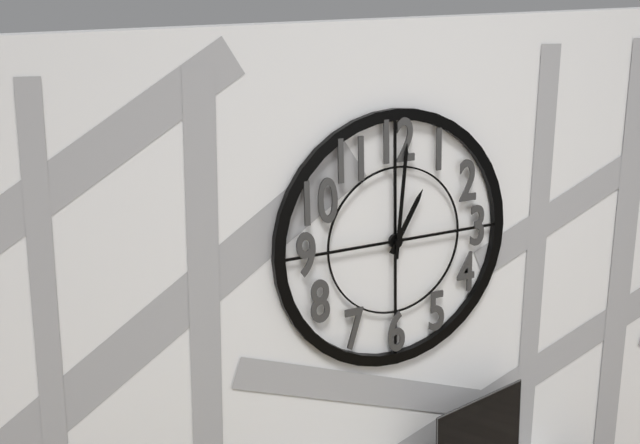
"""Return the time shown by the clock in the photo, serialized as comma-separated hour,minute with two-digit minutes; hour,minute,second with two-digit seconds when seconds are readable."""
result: 1,01
